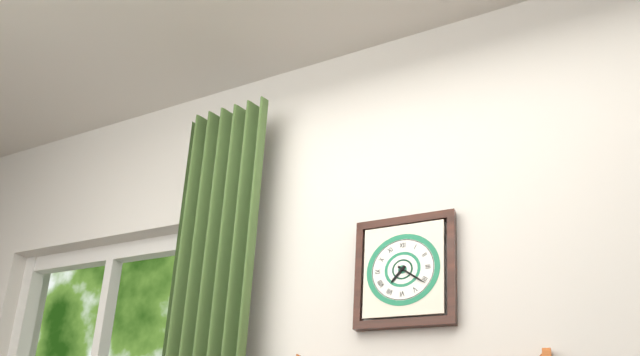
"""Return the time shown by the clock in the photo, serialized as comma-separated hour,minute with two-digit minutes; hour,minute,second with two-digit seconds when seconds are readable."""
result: 7,21
